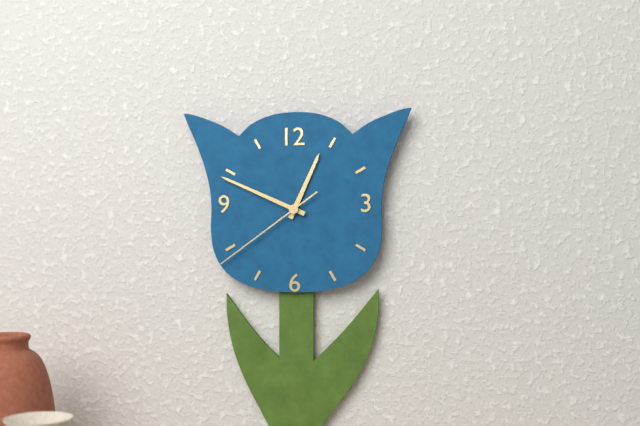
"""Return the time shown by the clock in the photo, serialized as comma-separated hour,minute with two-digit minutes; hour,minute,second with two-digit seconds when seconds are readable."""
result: 12,49,39
